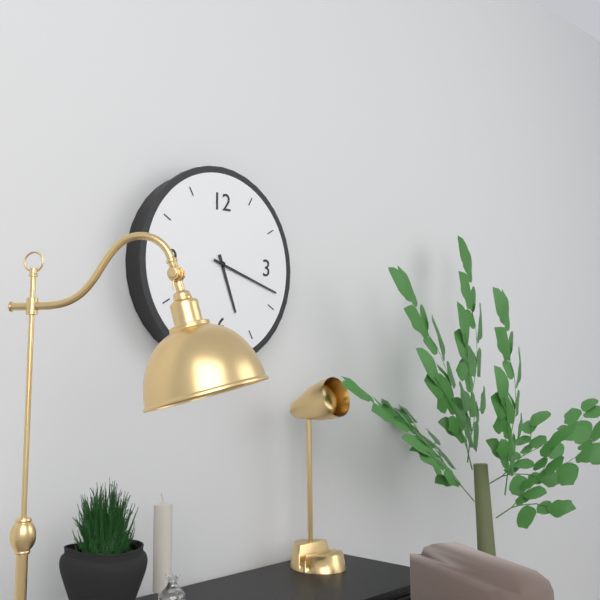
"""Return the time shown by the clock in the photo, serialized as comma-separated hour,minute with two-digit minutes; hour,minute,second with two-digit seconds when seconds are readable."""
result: 5,18
